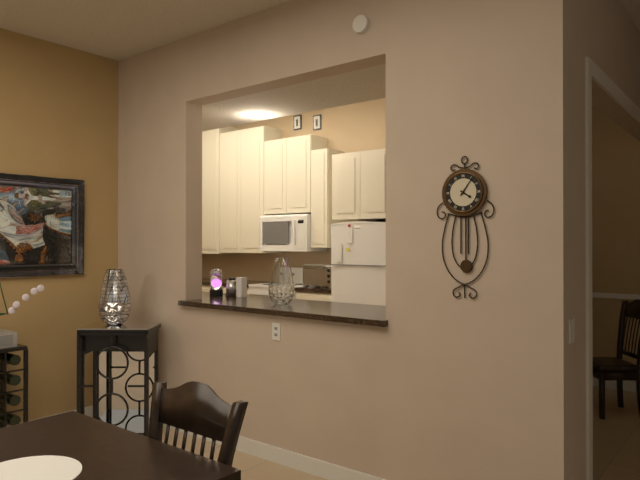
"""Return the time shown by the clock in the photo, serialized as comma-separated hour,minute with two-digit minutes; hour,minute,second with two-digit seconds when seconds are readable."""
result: 4,06
